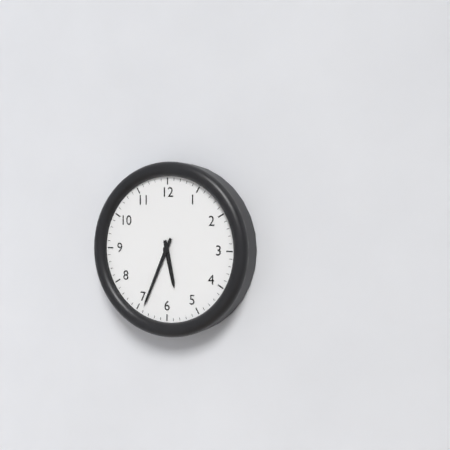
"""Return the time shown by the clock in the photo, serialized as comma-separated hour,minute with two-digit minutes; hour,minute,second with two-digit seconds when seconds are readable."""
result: 5,34
